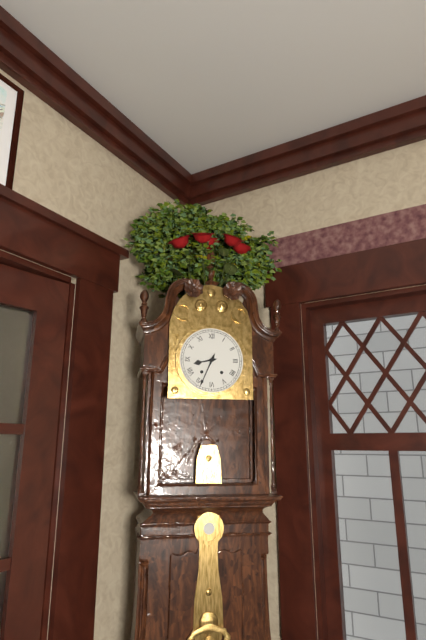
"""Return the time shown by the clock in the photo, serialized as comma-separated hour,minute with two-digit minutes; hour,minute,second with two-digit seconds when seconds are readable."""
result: 8,34
